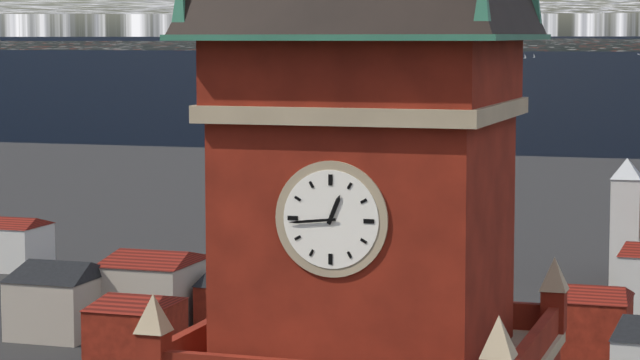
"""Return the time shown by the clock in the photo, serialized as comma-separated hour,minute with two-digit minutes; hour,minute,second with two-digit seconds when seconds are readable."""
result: 12,44
